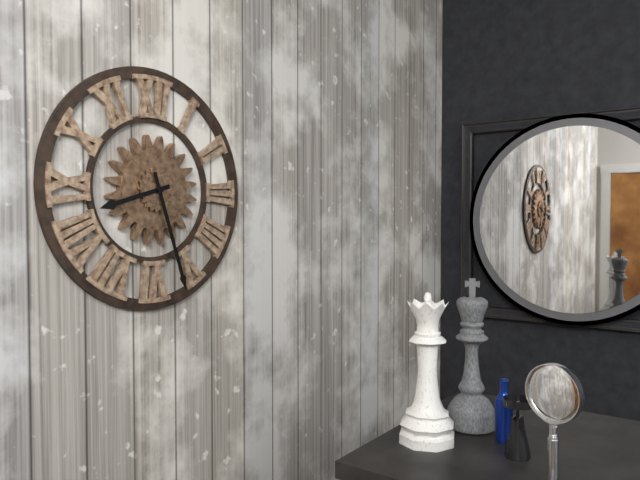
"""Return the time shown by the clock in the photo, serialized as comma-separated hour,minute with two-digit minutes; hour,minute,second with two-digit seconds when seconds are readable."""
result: 8,27
